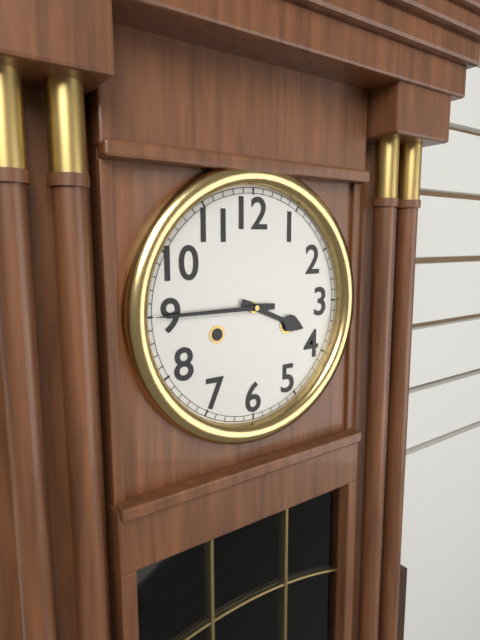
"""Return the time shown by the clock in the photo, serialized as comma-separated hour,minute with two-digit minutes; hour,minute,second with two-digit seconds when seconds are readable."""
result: 3,45
